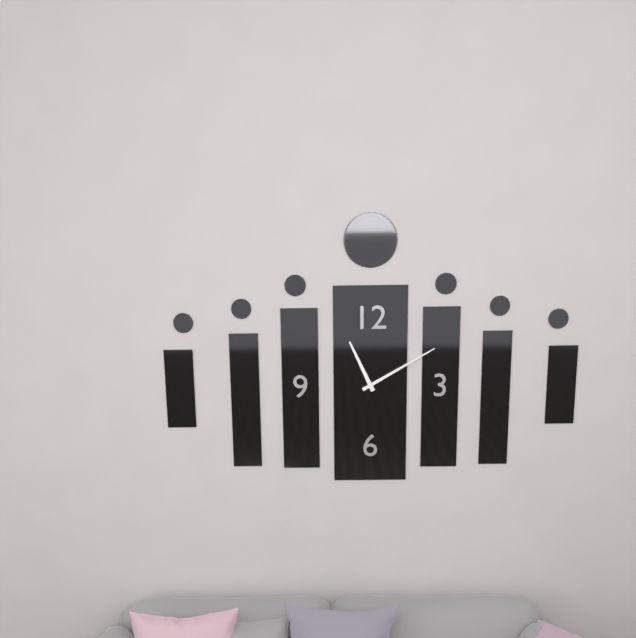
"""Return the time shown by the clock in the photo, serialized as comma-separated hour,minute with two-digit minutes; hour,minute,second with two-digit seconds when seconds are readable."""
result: 11,10
